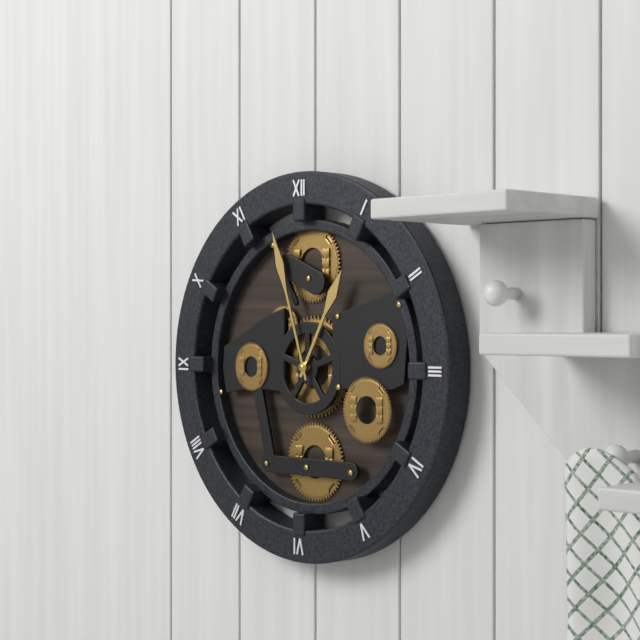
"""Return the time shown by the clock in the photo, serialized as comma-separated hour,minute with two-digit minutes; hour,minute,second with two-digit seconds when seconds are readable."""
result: 12,57
